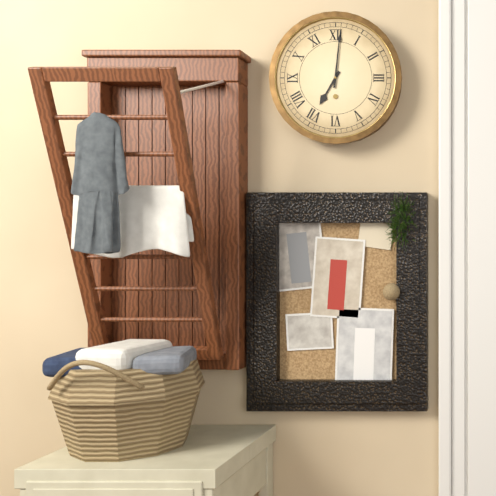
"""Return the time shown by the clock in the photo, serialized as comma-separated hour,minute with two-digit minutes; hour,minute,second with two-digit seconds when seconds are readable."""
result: 7,01
